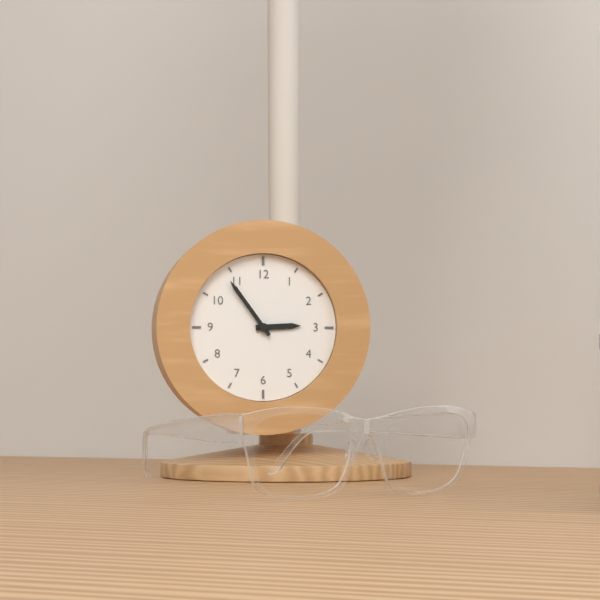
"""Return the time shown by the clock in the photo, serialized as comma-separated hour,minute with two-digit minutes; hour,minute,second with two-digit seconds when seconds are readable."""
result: 2,54
